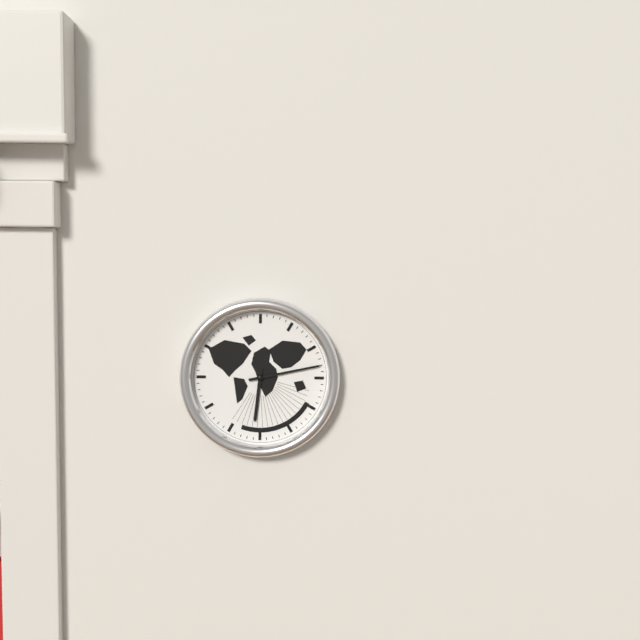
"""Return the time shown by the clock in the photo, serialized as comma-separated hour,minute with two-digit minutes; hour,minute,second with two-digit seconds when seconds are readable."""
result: 6,13
